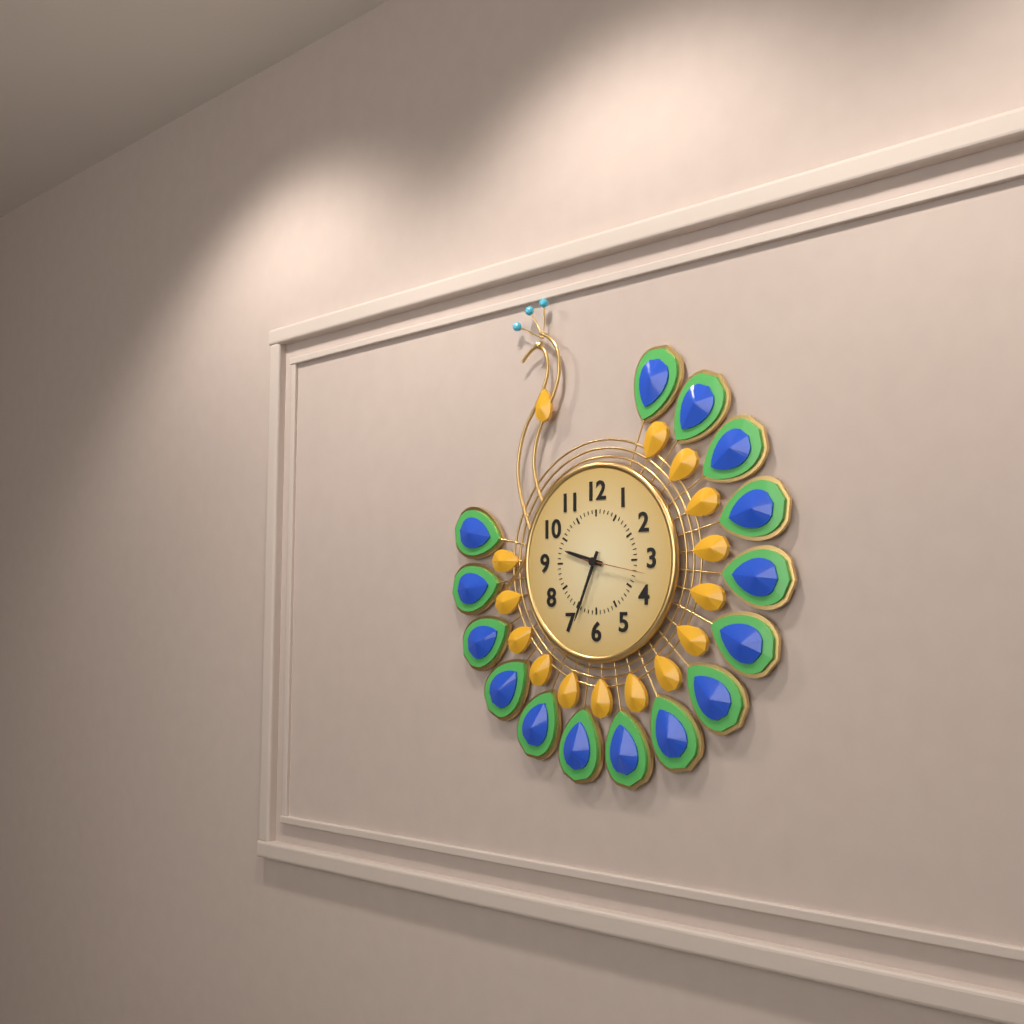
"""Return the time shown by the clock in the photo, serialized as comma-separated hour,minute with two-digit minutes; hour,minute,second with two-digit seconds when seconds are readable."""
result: 9,34,17
